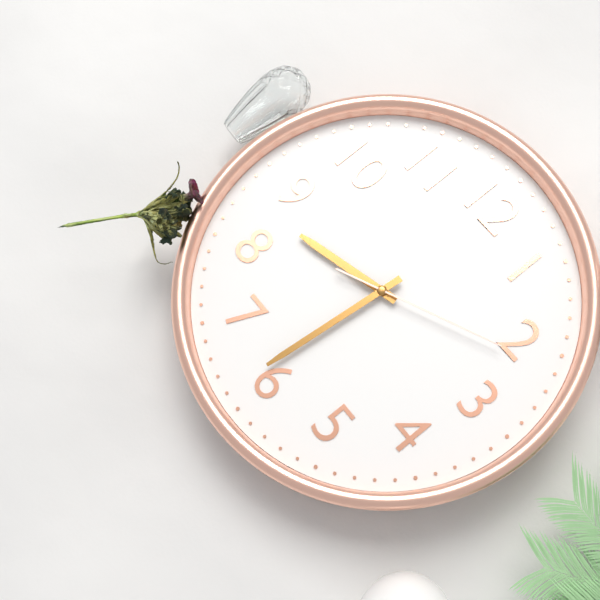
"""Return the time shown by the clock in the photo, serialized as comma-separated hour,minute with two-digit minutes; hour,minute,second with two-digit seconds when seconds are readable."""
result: 8,31,11
